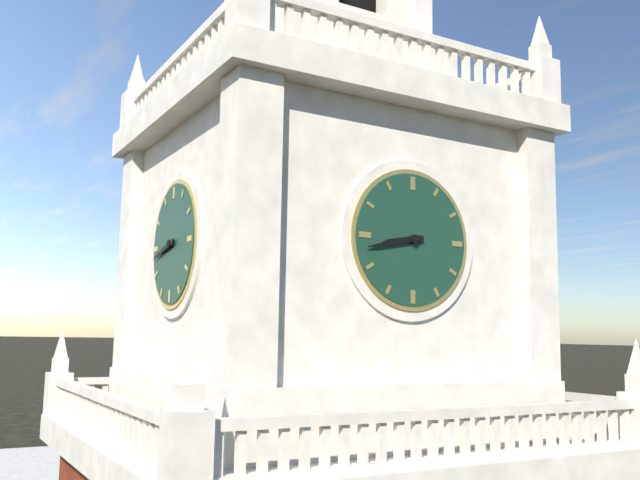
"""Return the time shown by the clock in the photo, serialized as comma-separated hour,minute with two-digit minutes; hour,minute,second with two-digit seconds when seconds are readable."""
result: 8,43
